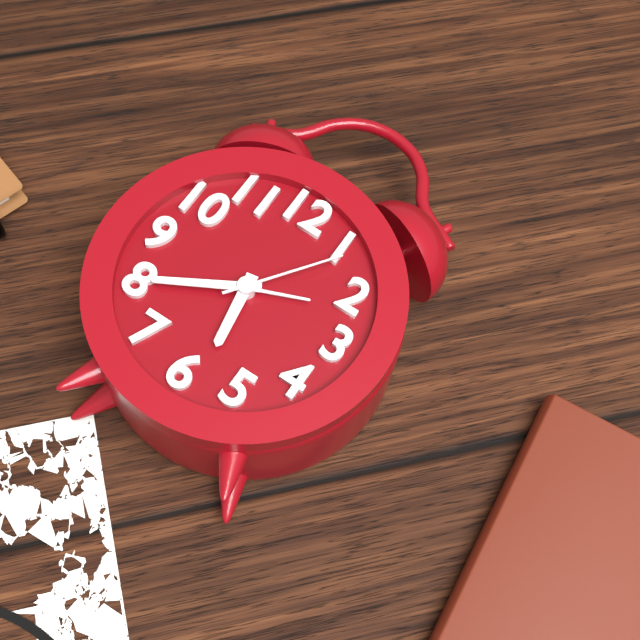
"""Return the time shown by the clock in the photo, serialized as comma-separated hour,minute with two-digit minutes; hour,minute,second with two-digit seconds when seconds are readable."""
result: 5,40,06
